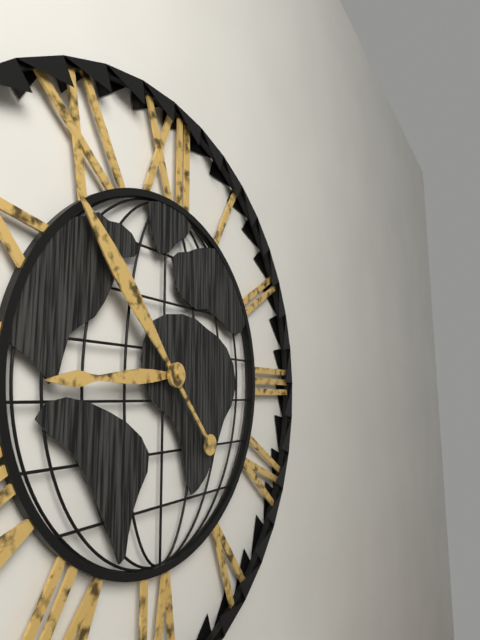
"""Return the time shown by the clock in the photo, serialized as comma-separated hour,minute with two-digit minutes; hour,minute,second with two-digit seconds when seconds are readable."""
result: 8,53
